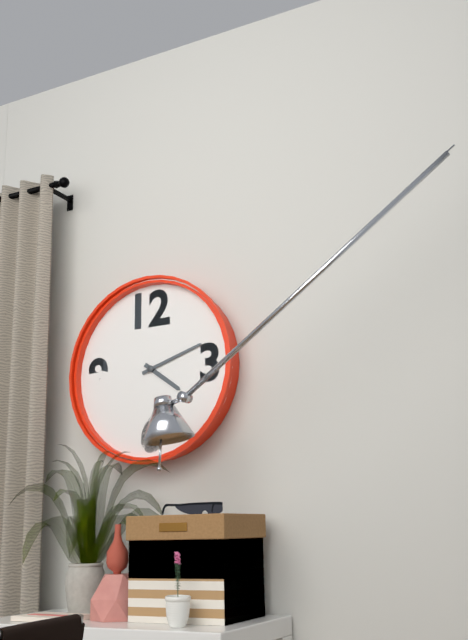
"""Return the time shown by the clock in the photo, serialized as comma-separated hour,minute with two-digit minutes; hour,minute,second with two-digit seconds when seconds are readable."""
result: 4,12
